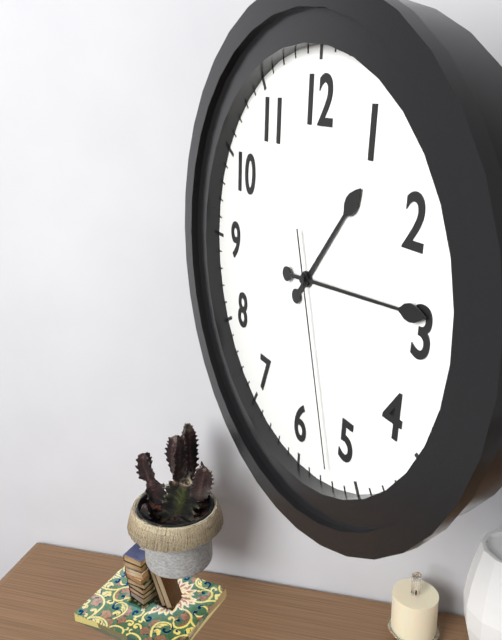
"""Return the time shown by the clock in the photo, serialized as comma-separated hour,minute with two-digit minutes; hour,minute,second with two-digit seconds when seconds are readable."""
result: 1,14,27
